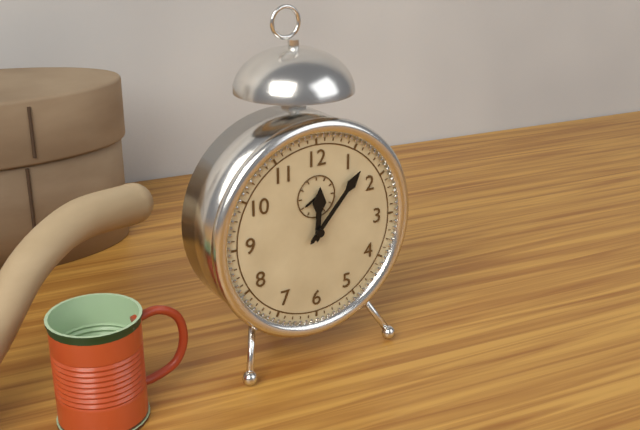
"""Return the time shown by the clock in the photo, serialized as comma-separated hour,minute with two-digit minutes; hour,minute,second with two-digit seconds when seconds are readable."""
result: 12,07
